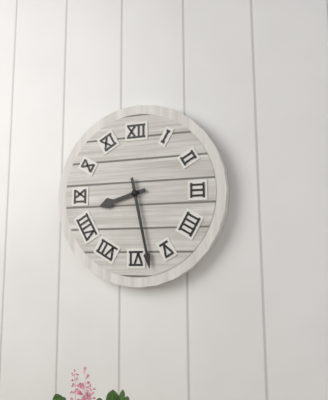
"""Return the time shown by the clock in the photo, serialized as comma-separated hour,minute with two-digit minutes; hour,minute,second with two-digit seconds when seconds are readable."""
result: 8,28
